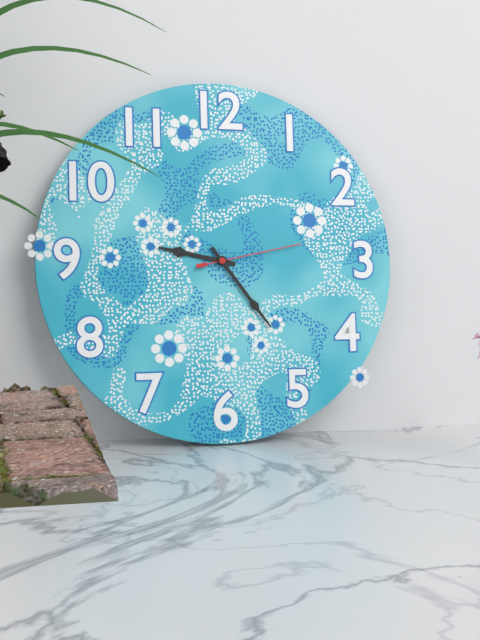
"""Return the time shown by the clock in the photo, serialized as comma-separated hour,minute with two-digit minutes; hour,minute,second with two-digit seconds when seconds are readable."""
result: 9,24,13
